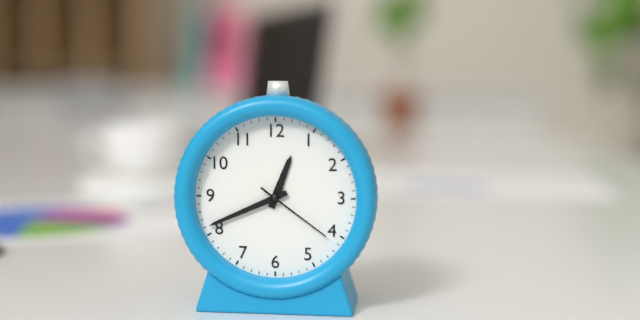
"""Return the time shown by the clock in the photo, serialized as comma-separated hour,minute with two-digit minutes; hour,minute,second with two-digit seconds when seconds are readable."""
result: 12,41,21
